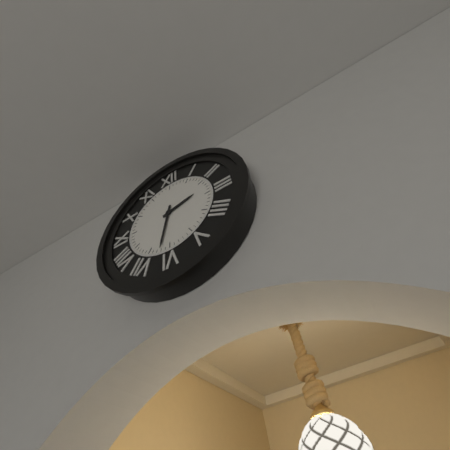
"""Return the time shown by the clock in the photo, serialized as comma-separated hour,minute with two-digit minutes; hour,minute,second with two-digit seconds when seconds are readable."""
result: 2,32
